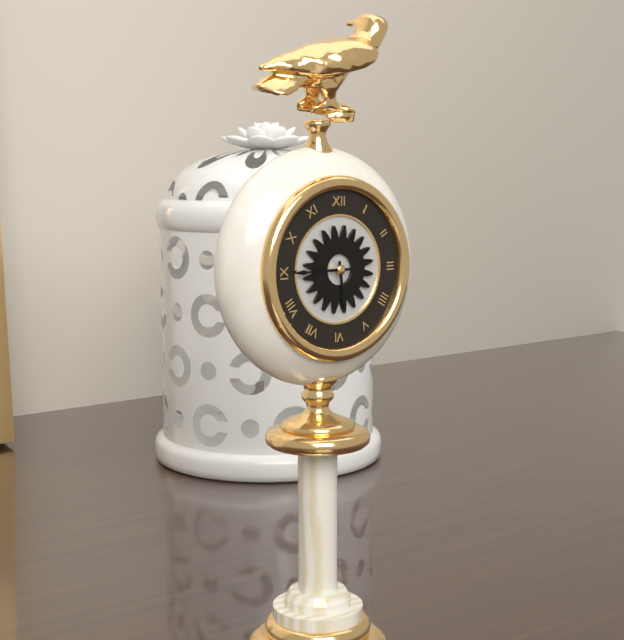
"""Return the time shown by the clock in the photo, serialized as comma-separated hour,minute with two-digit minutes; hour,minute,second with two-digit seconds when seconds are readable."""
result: 5,45
